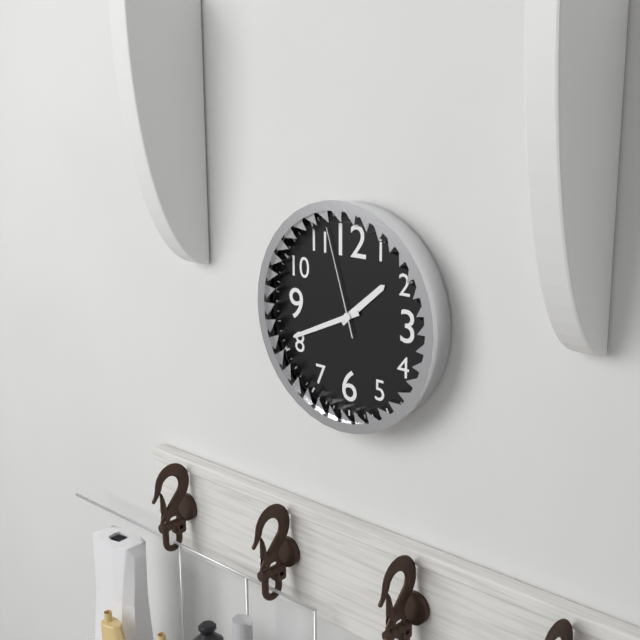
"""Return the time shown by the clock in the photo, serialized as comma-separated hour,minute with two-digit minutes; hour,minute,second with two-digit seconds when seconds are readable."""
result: 1,41,57
